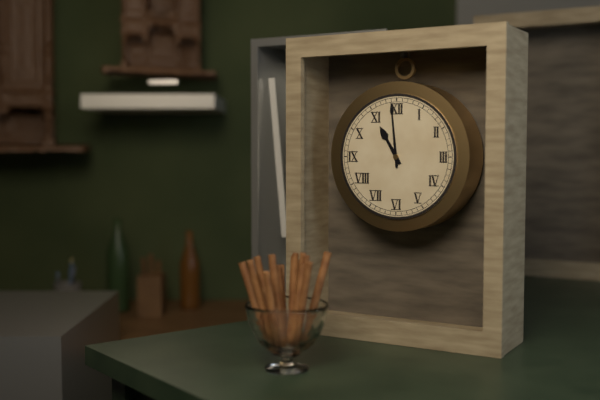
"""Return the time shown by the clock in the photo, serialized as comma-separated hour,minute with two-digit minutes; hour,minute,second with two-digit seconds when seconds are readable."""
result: 10,59
